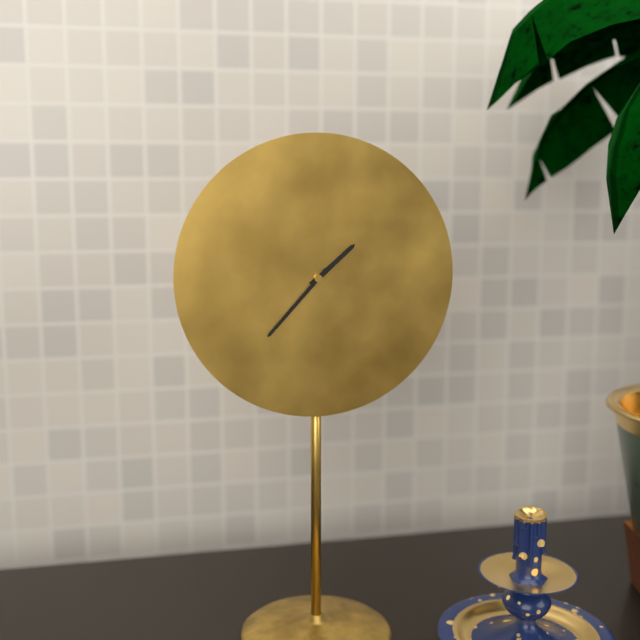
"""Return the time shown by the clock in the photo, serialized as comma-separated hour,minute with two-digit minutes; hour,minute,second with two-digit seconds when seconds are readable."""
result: 1,37
